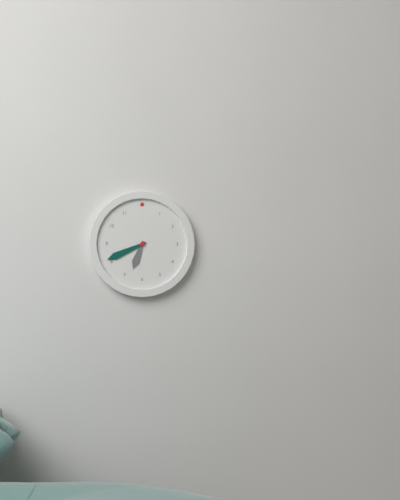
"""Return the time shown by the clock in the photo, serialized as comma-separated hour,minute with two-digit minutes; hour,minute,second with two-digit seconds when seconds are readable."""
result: 6,41
